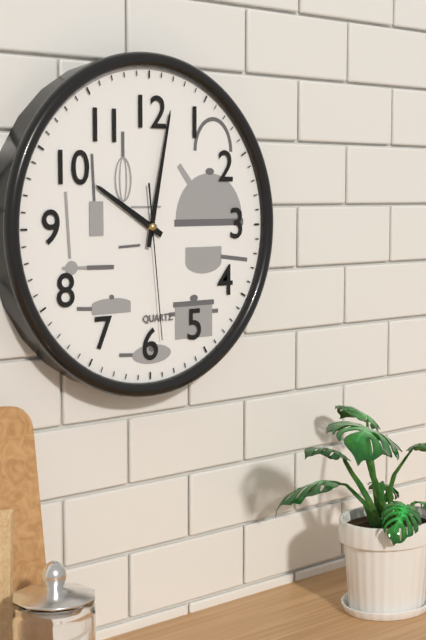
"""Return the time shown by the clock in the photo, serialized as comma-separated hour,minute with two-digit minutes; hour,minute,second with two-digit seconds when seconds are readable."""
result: 10,02,29
